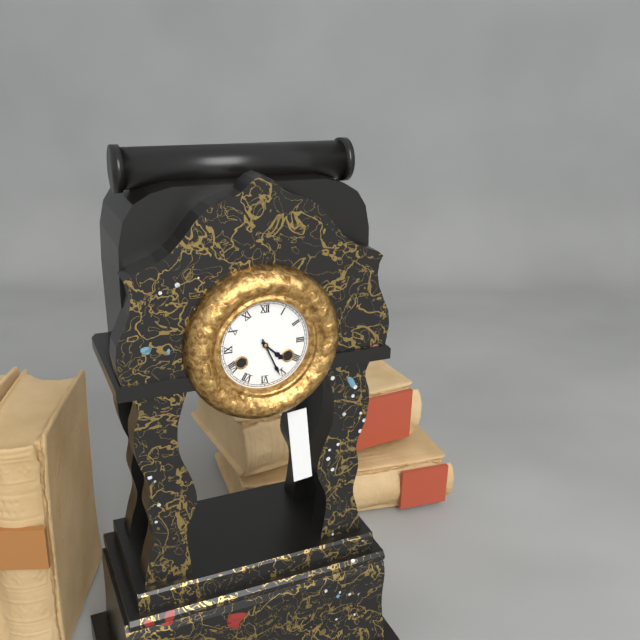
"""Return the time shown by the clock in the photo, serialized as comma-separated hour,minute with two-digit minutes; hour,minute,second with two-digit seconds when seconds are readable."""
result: 4,26
